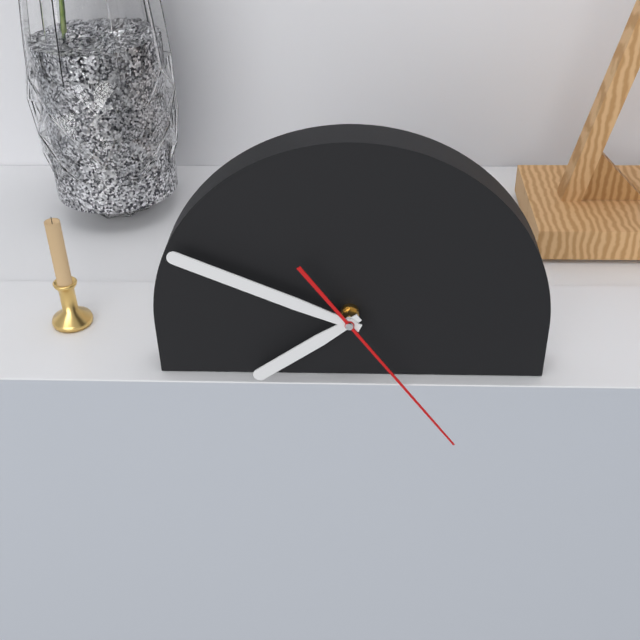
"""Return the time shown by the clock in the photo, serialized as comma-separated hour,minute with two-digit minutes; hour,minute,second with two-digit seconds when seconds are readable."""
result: 7,49,24
